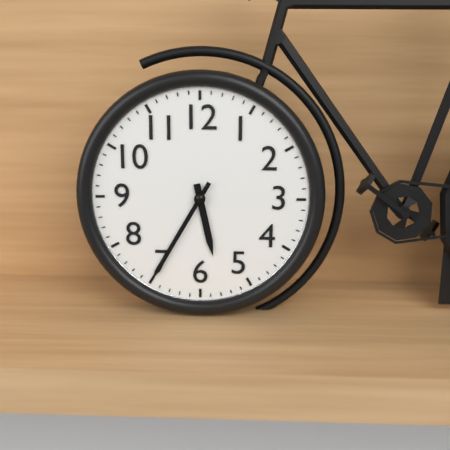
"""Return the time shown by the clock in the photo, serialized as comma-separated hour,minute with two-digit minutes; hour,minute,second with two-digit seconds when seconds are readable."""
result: 5,35
